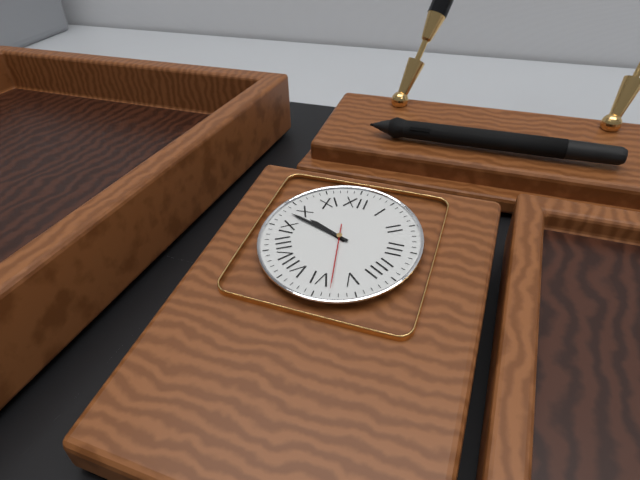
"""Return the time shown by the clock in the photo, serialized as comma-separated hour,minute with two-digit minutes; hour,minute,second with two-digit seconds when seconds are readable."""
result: 9,48,28
